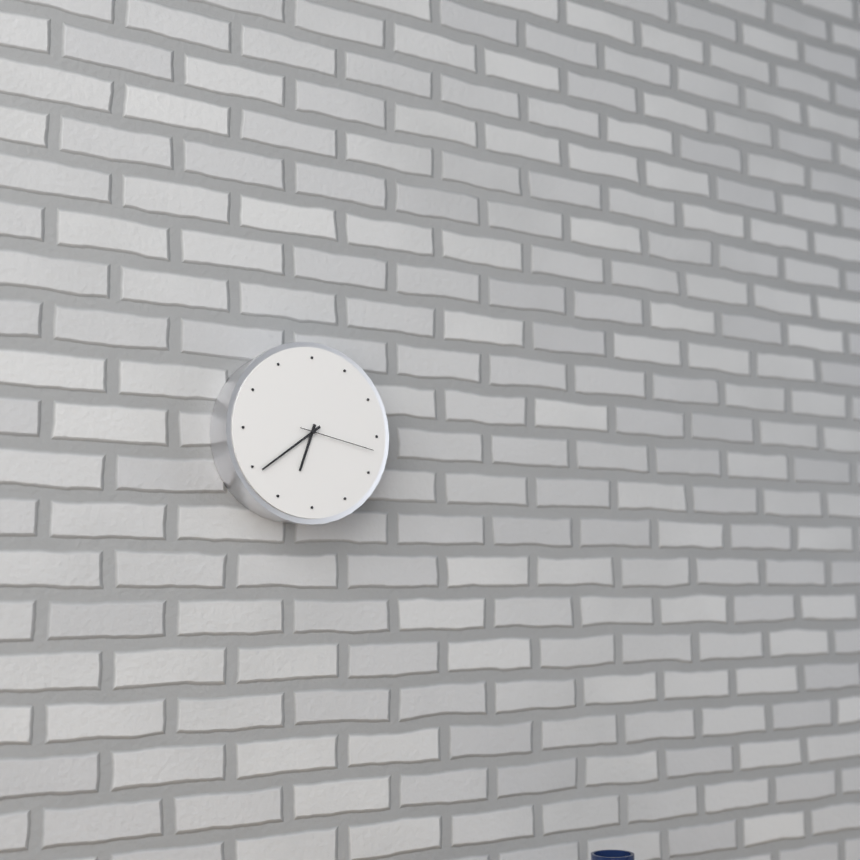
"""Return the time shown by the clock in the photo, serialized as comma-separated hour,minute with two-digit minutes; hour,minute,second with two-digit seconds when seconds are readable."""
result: 6,39,17
